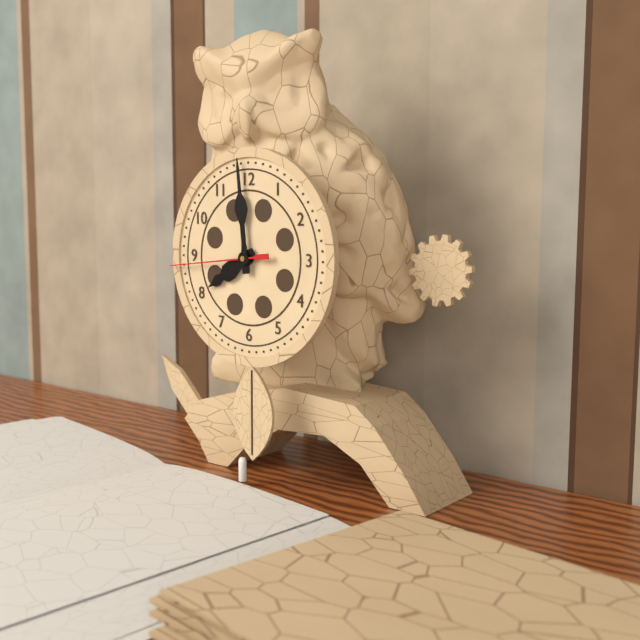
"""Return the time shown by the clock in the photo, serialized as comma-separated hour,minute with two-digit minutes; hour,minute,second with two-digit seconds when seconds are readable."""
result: 7,59,44
